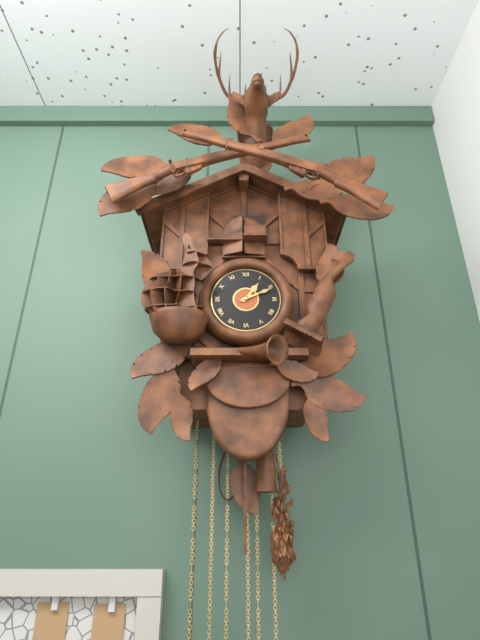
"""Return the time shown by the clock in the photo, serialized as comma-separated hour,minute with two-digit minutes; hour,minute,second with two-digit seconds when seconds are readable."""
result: 1,11
